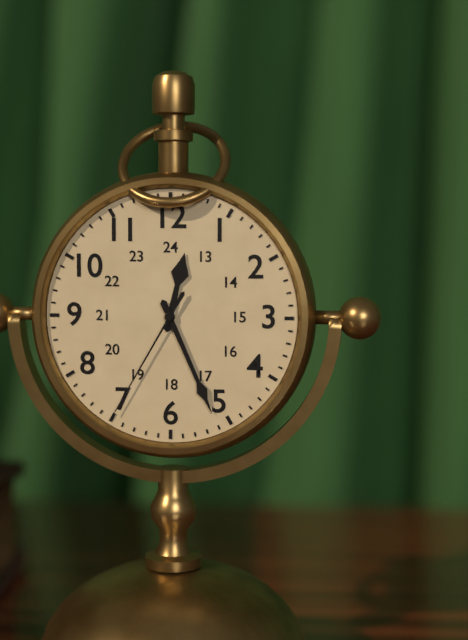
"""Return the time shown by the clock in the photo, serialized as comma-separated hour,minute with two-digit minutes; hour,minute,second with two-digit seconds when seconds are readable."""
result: 12,26,35
